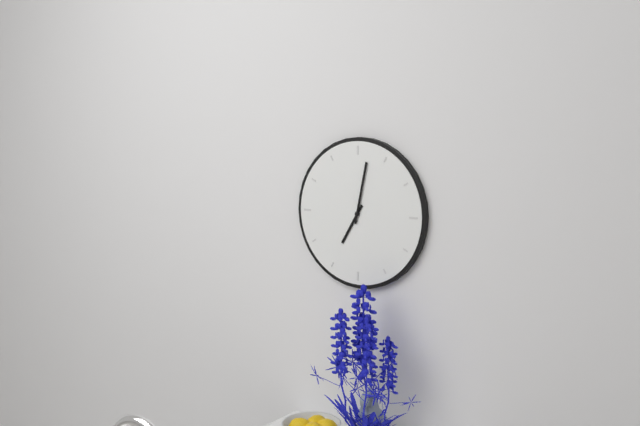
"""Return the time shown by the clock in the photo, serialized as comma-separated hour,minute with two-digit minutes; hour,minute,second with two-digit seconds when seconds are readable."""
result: 7,02
